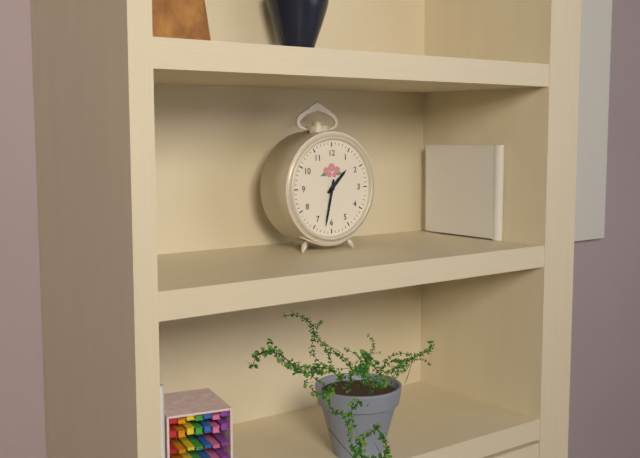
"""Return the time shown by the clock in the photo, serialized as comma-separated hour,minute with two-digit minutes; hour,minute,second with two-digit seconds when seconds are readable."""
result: 1,32
